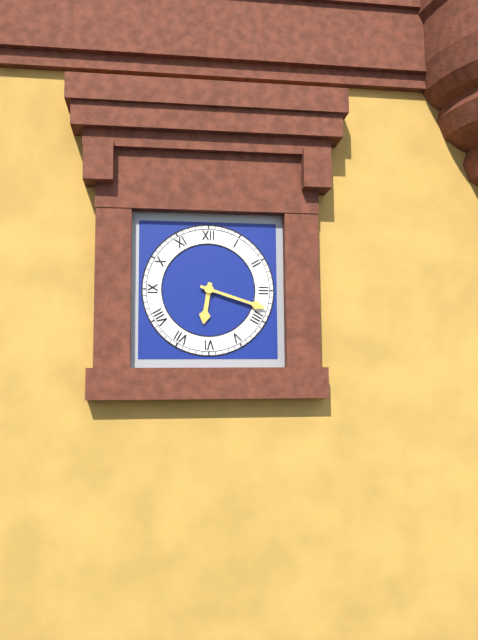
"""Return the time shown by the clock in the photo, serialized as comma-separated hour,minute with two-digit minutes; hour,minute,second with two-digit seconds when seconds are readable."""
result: 6,18
